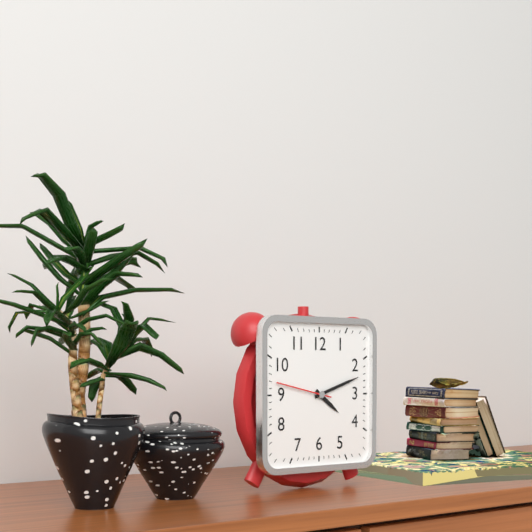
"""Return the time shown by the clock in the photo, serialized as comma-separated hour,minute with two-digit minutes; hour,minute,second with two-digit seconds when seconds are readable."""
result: 4,12,47
